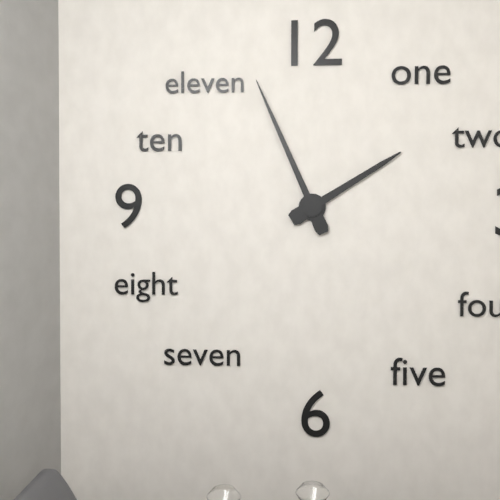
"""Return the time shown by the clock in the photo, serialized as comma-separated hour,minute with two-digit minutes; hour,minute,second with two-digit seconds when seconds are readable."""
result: 1,56
